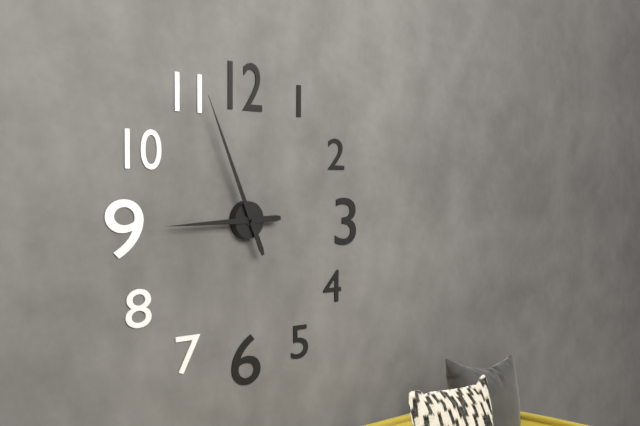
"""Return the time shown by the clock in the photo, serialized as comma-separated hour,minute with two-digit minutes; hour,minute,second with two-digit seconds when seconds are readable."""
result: 8,56
